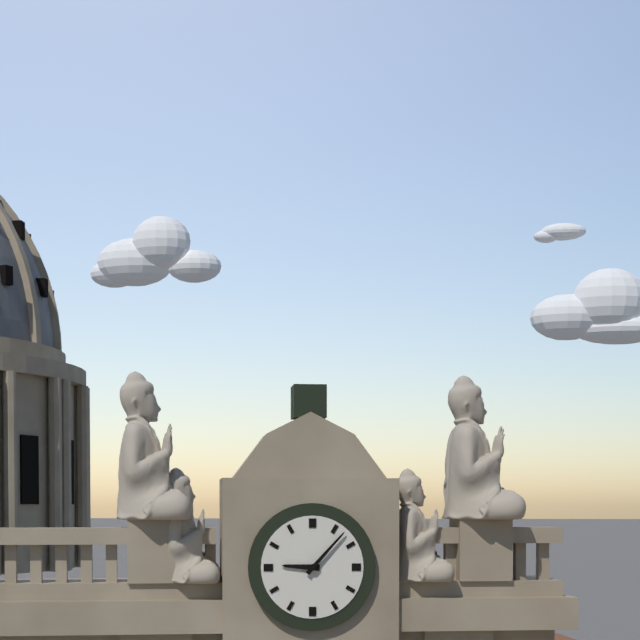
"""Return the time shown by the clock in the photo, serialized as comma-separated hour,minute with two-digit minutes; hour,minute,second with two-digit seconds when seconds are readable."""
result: 9,07
